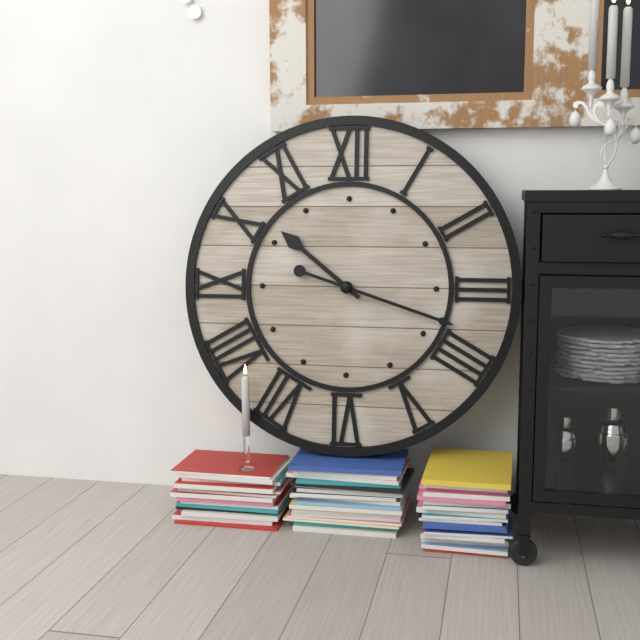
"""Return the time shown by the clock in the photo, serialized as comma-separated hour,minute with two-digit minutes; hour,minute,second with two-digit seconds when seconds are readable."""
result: 10,18
